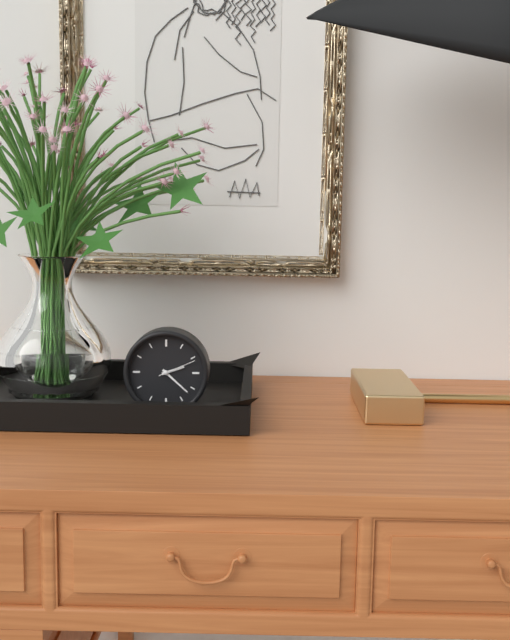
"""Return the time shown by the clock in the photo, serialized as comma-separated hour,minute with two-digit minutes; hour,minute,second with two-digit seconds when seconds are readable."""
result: 2,22
